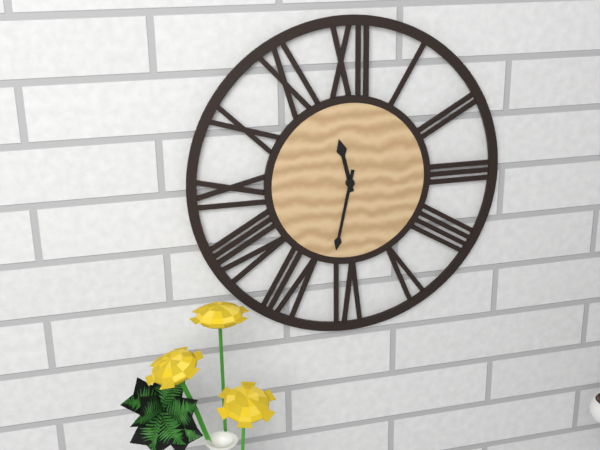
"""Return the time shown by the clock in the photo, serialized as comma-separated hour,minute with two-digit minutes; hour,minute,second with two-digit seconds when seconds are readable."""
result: 11,32
